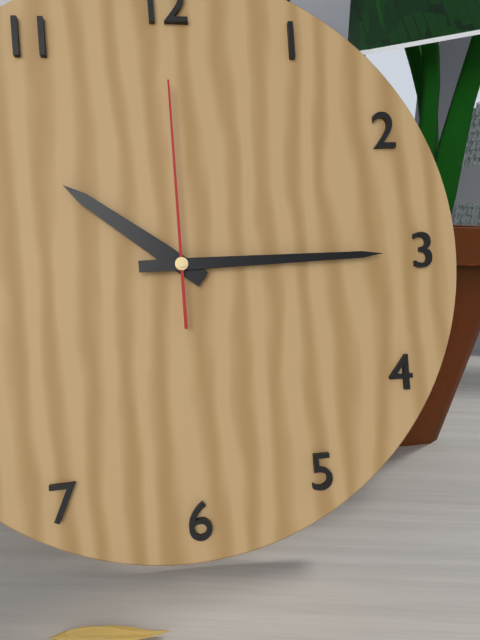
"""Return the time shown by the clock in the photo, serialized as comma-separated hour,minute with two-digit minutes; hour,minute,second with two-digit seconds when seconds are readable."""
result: 10,15,00
